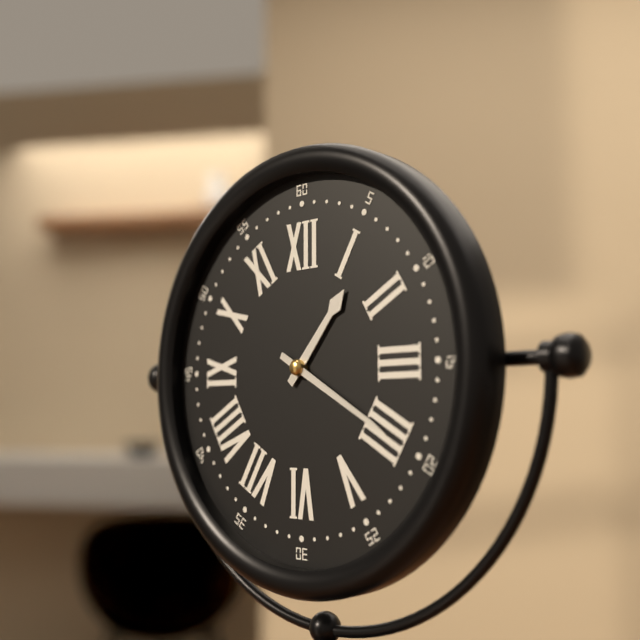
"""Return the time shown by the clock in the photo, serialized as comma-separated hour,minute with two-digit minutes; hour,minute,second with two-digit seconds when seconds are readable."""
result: 1,20
